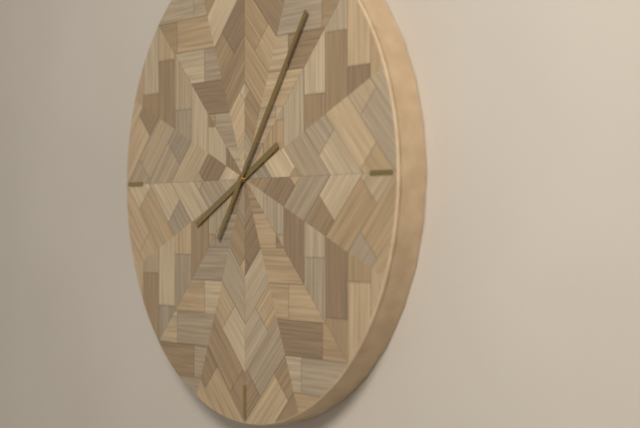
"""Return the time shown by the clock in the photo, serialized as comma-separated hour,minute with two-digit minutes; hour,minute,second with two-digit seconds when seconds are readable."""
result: 8,06
